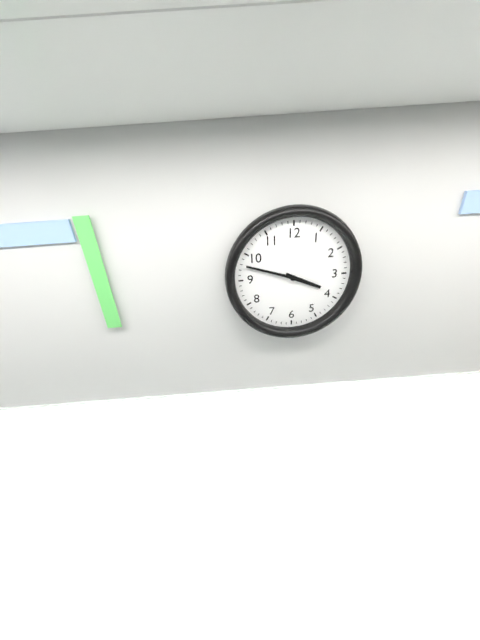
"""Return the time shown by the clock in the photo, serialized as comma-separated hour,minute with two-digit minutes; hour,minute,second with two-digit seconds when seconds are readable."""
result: 3,48
